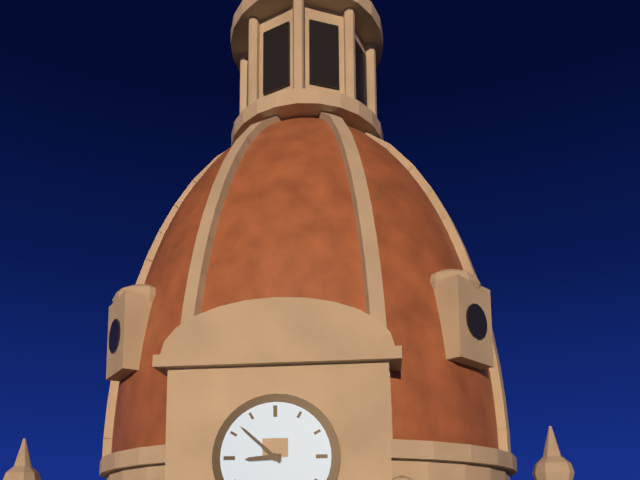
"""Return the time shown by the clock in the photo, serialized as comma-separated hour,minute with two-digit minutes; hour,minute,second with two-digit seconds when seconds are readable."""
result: 8,52
